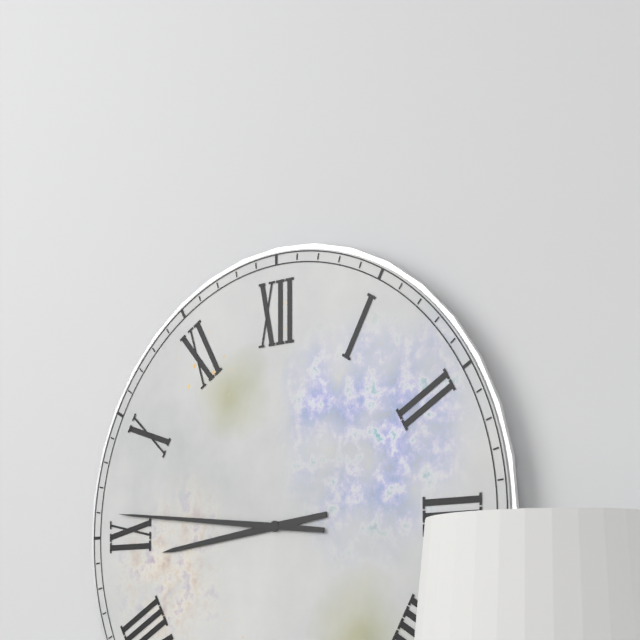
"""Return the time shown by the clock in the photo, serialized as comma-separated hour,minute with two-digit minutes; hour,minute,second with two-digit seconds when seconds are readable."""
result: 8,46
